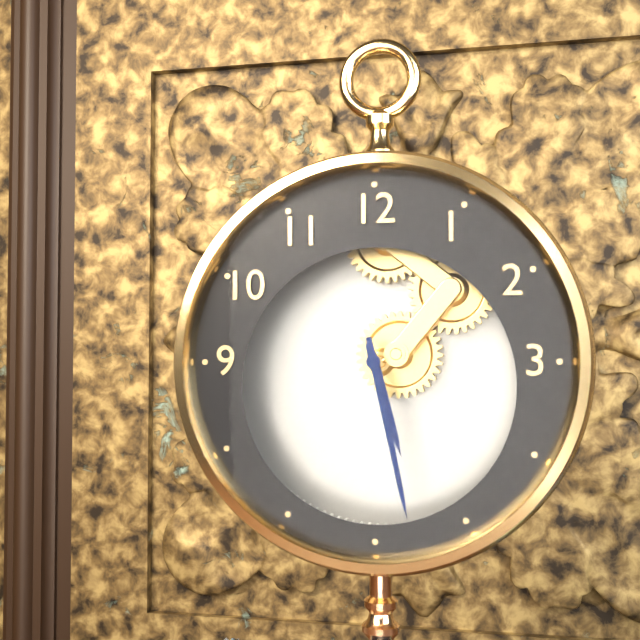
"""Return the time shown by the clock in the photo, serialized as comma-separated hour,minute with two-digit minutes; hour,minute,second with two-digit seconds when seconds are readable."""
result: 5,28
